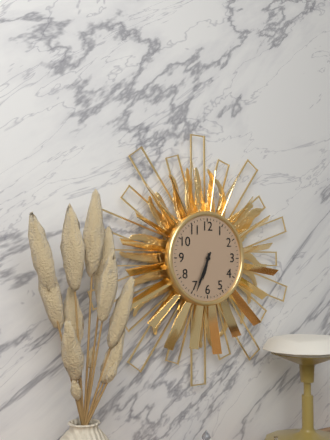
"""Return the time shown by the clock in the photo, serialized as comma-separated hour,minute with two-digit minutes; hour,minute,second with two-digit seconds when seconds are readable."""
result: 6,34
